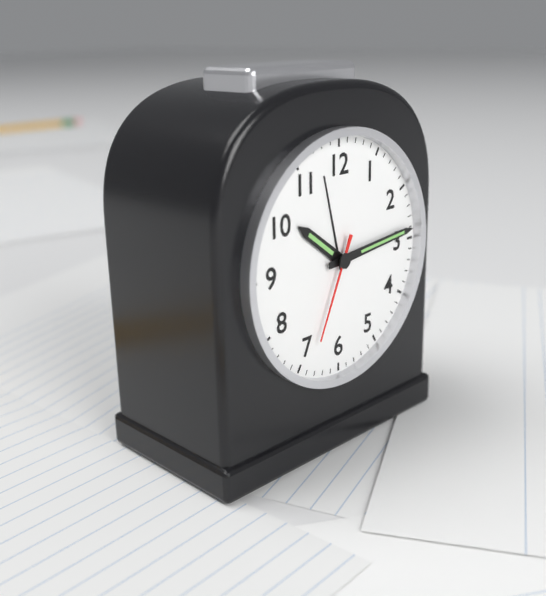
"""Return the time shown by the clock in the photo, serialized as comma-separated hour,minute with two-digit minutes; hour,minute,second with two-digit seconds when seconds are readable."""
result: 10,14,34
